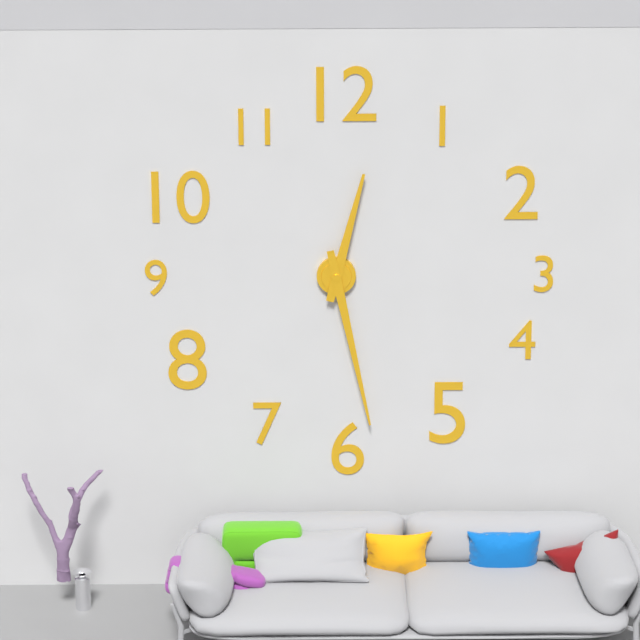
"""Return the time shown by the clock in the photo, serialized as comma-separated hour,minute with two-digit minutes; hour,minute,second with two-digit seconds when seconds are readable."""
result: 12,28
